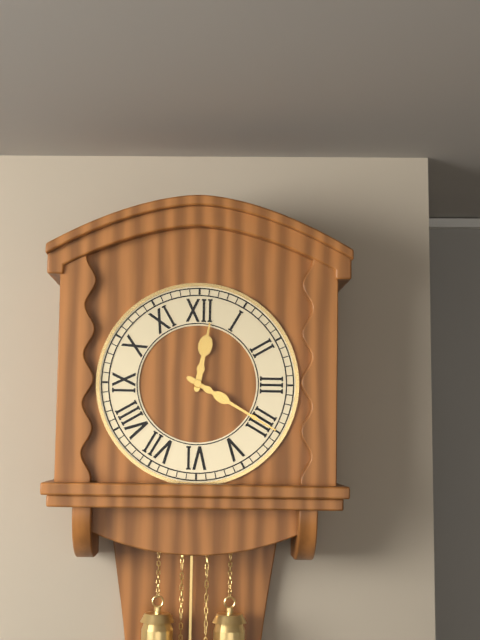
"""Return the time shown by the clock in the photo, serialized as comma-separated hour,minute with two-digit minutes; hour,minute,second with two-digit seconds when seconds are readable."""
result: 12,20
